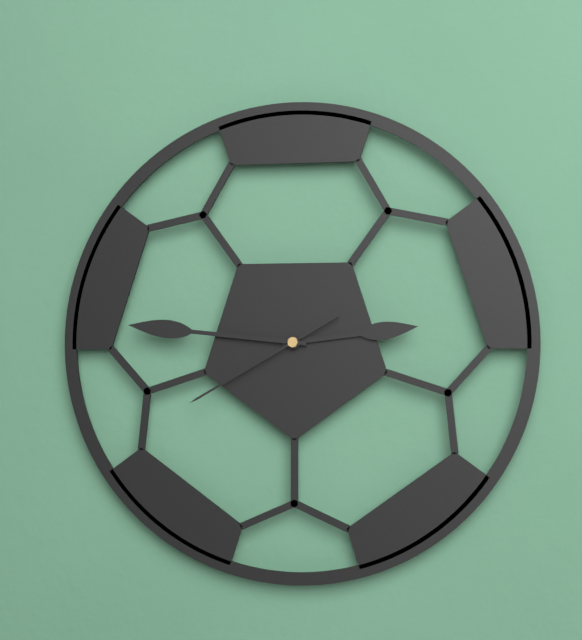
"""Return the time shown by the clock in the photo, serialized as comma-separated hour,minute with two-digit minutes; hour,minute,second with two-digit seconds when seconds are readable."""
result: 2,46,40
